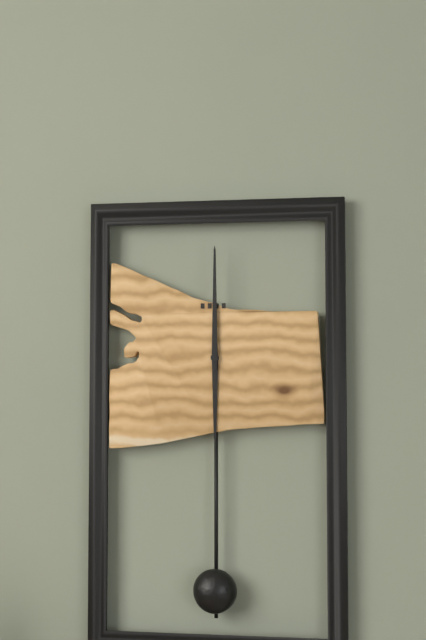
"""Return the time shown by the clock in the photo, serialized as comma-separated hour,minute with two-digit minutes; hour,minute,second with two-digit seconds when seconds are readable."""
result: 6,00
